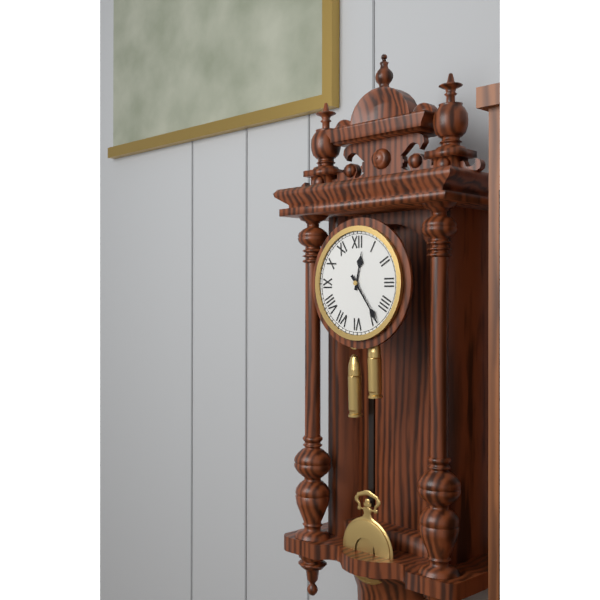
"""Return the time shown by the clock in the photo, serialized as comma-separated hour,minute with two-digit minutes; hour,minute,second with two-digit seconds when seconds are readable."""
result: 12,24
